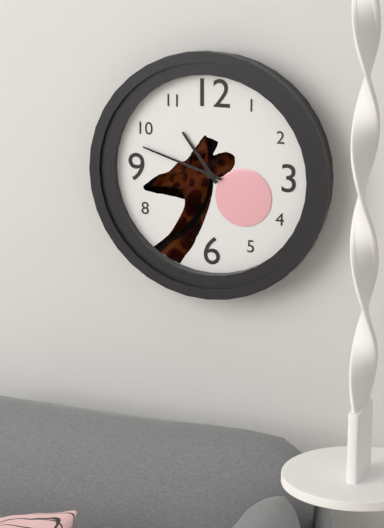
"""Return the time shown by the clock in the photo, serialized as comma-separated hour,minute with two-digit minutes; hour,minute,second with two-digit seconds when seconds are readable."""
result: 10,48
